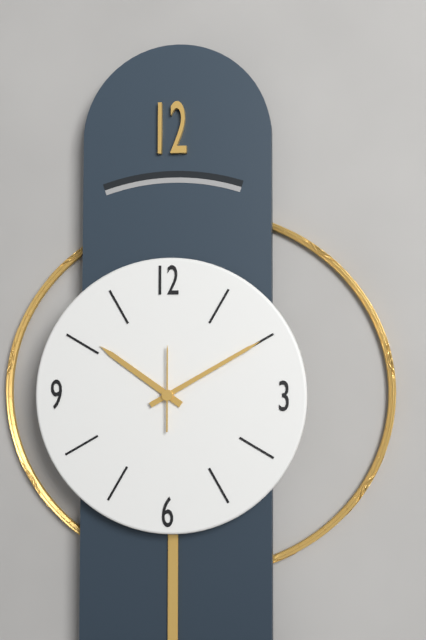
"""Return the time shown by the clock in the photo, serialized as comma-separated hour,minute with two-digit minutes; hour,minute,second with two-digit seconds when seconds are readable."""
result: 10,10,00
